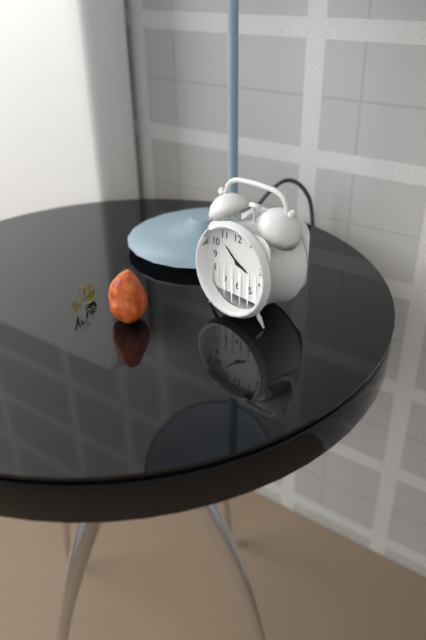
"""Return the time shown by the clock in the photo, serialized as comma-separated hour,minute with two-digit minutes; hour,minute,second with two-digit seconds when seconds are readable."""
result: 3,52
